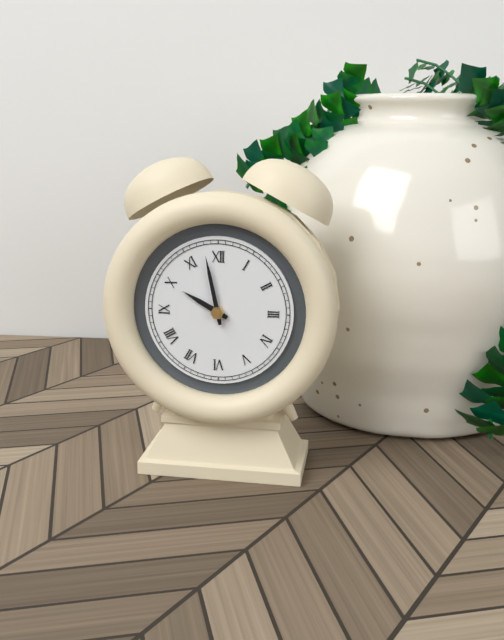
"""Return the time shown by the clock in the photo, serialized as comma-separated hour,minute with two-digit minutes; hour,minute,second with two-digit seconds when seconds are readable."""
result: 9,58
